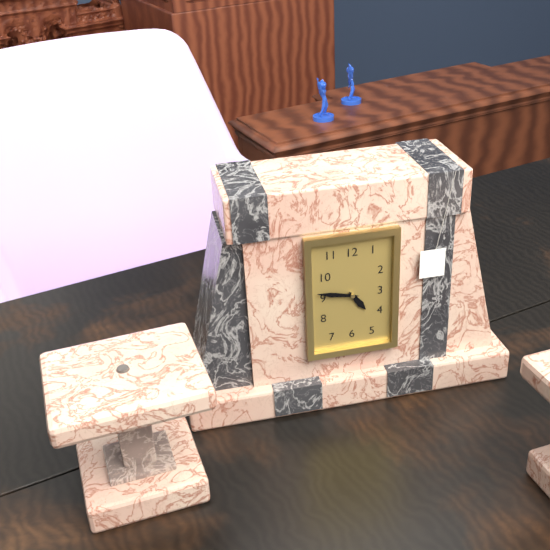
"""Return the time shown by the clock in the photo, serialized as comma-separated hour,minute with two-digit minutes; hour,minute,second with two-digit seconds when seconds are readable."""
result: 4,47
